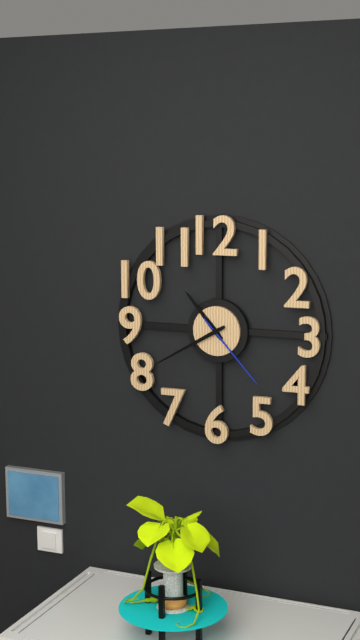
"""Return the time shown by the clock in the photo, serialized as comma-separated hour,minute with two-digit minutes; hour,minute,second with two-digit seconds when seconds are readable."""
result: 10,40,23
